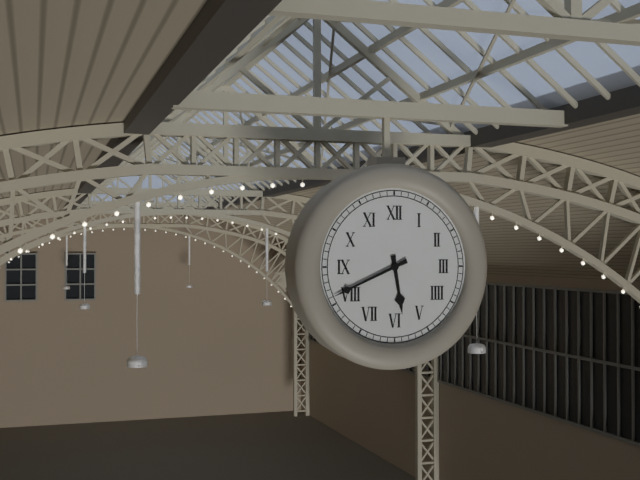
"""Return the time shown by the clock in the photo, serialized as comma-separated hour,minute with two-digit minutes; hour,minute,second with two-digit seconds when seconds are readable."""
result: 5,41
